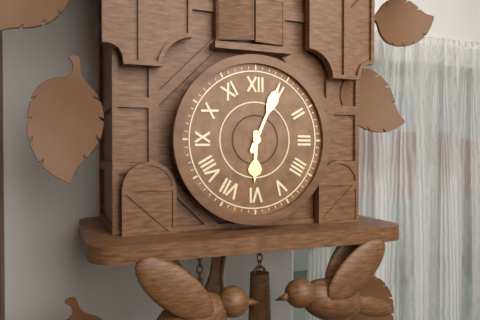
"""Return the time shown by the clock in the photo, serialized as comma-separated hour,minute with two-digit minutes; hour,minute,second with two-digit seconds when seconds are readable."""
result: 6,04
